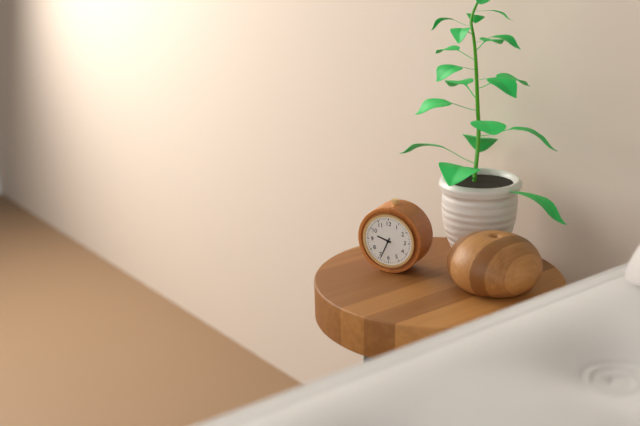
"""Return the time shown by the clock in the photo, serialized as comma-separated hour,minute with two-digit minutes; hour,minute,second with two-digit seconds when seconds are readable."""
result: 9,34
